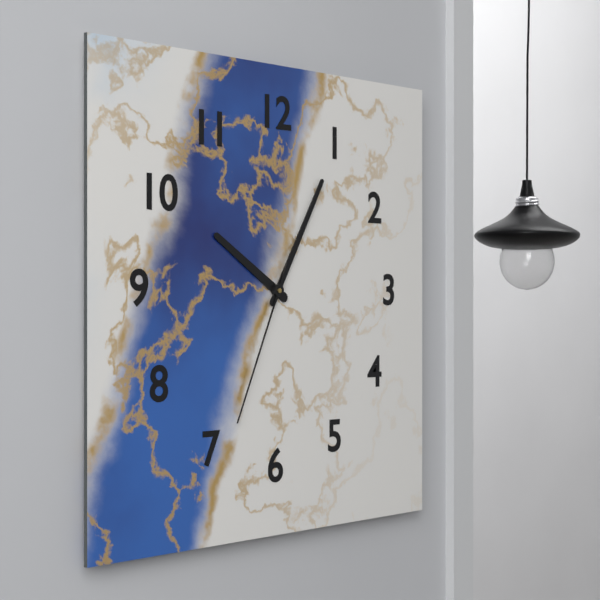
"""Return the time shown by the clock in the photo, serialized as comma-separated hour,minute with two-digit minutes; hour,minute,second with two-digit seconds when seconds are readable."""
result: 10,05,34
